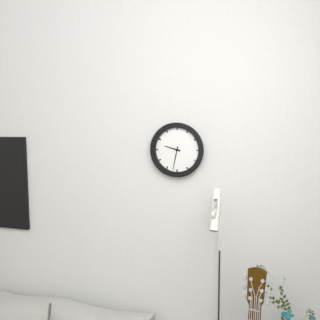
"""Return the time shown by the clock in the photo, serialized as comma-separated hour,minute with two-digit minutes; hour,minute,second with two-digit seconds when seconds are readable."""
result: 9,32
